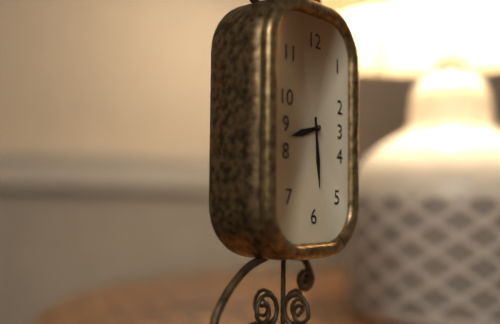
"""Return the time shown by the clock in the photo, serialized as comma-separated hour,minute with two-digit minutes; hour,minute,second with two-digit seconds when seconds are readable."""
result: 8,29
